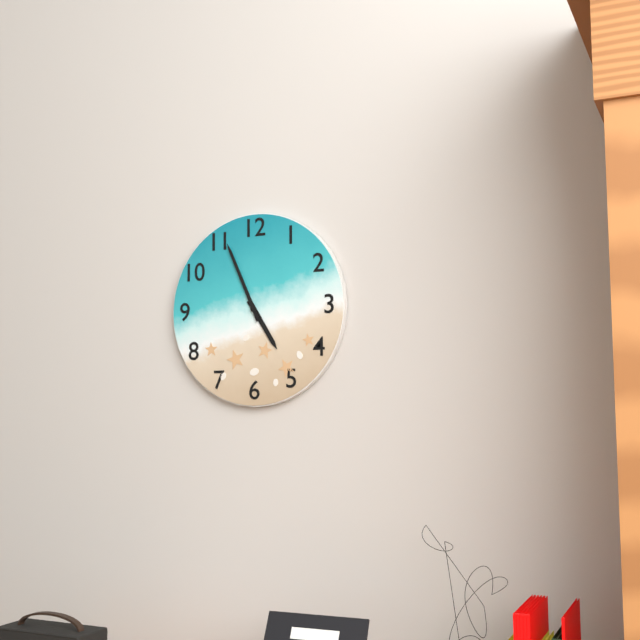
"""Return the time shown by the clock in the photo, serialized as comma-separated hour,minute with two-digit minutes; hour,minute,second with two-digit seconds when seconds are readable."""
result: 4,56
